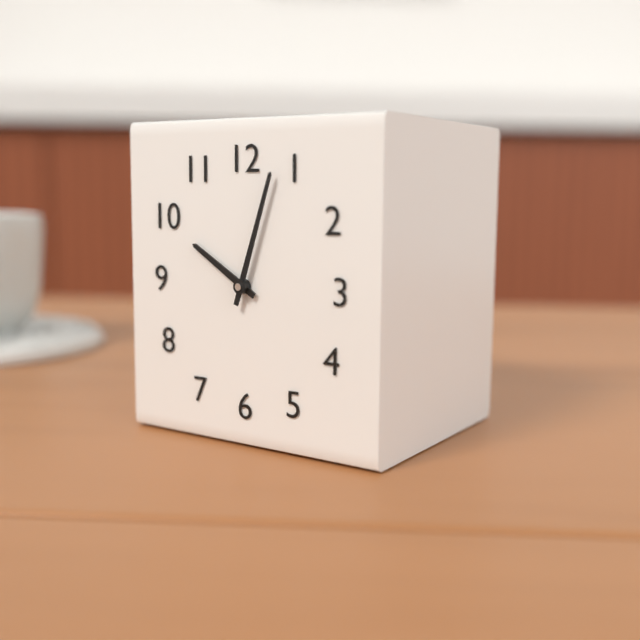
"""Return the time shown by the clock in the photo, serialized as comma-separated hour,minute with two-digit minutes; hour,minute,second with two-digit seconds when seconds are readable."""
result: 10,03
